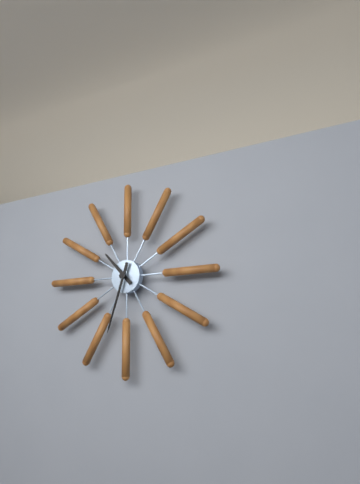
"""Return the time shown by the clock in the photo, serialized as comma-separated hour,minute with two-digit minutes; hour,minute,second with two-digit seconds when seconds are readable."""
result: 10,33
